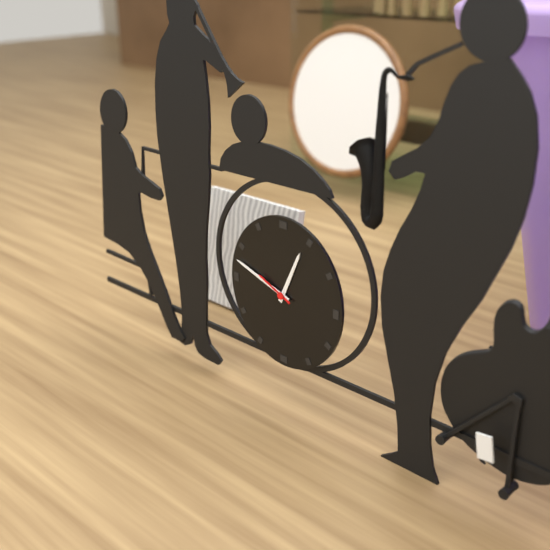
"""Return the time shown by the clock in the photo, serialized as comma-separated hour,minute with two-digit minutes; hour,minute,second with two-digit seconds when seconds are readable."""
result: 12,48
